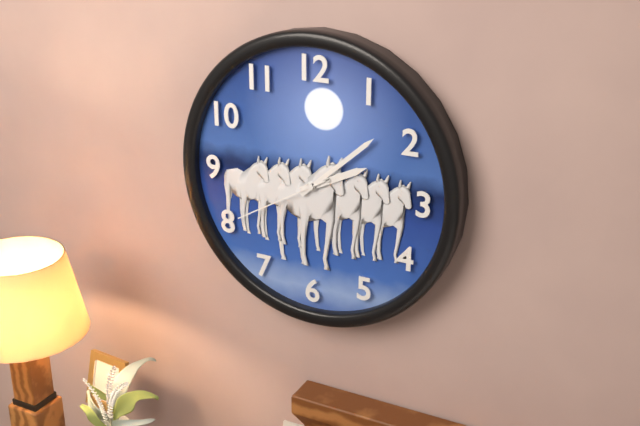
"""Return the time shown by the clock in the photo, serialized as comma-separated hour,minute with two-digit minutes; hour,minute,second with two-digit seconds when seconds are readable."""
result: 2,08,40
